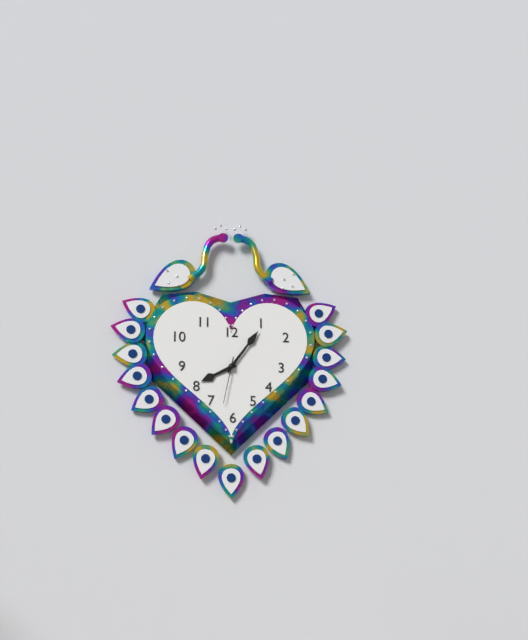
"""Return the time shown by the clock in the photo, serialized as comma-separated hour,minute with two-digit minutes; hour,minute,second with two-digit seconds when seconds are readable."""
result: 8,06
